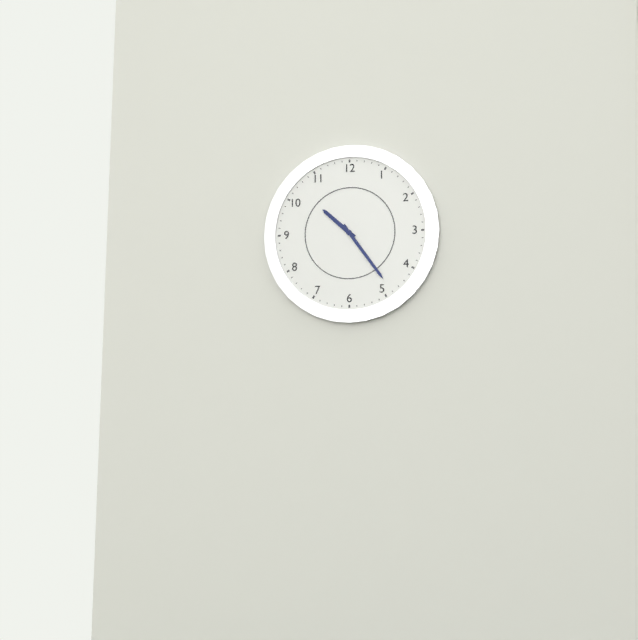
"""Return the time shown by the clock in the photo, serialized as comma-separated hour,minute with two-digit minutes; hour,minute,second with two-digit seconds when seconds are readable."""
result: 10,24
